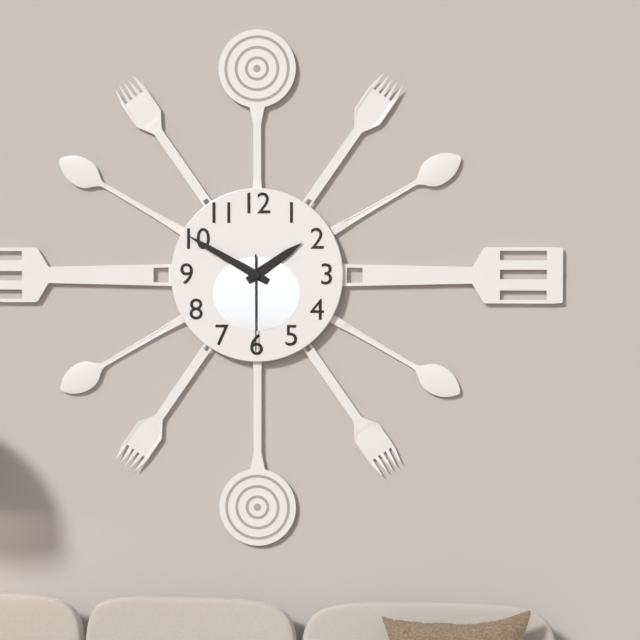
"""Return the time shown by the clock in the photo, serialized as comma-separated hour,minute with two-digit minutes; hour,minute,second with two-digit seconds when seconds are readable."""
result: 1,50,30
